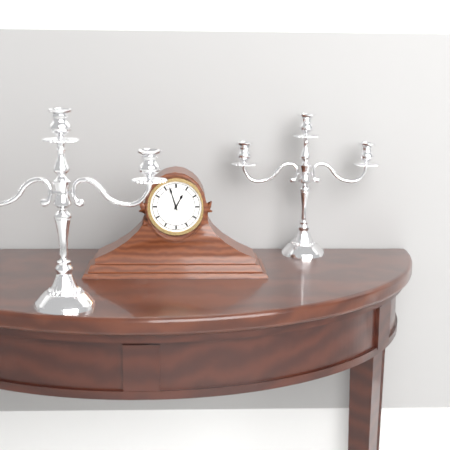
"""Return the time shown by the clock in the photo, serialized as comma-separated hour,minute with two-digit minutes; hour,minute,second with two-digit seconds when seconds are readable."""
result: 12,57
